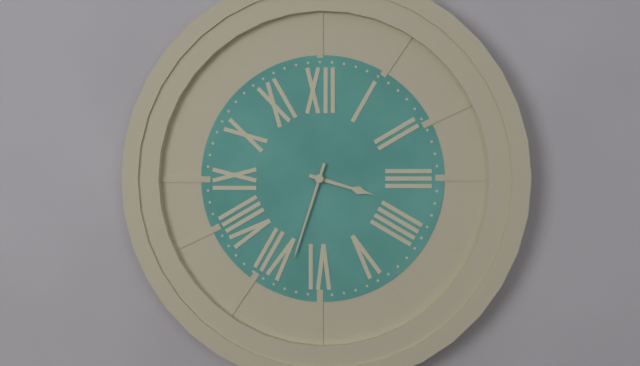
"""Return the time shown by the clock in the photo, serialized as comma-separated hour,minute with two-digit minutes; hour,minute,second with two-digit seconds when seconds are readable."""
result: 3,33
